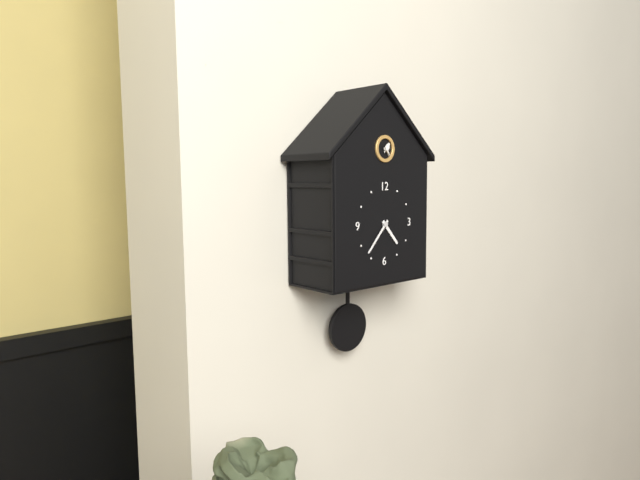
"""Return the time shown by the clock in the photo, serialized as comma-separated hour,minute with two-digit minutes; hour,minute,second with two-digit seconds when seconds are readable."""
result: 4,37
